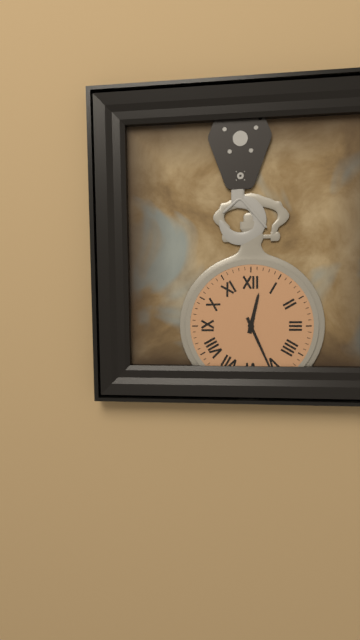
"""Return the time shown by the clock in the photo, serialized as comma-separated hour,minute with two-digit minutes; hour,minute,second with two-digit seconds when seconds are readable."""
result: 12,26
